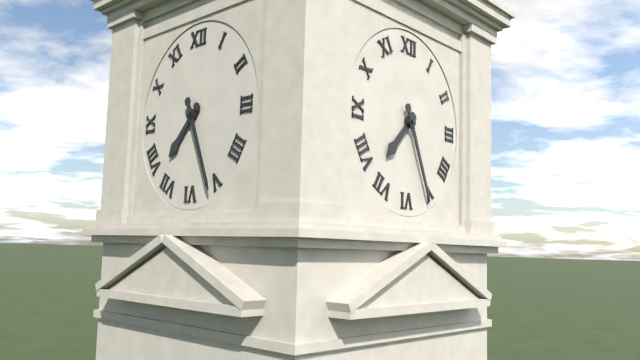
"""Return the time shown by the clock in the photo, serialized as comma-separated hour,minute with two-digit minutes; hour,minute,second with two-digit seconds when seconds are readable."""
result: 7,26
